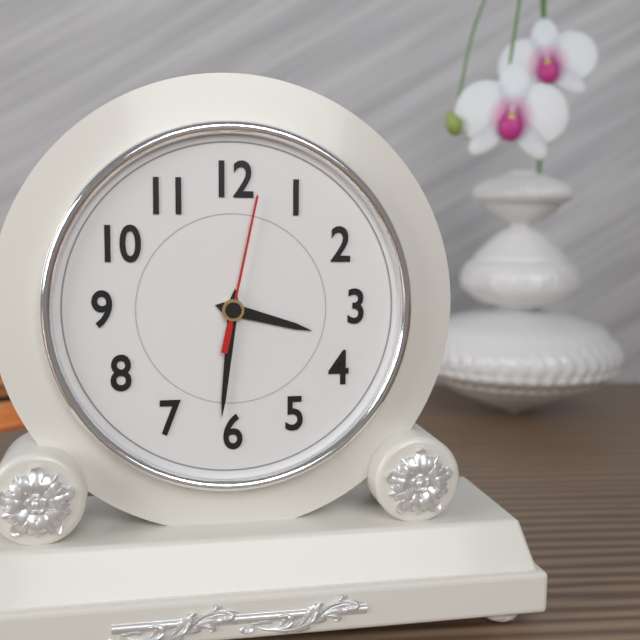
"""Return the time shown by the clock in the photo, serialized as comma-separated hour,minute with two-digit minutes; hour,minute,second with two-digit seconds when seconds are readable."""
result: 3,31,02
